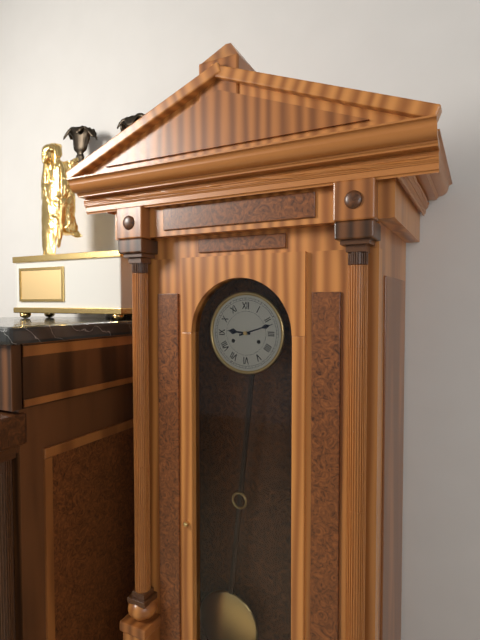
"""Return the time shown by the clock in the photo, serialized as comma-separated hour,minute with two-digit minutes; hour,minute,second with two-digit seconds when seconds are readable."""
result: 9,12
